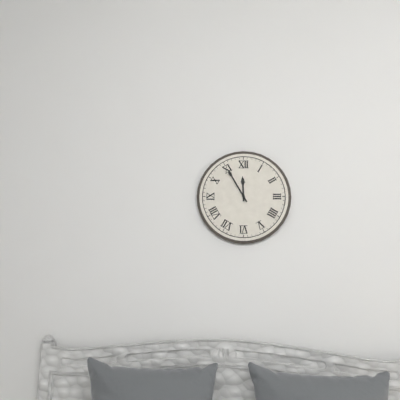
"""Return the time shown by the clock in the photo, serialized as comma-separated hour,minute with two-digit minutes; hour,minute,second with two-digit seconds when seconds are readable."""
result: 11,55
